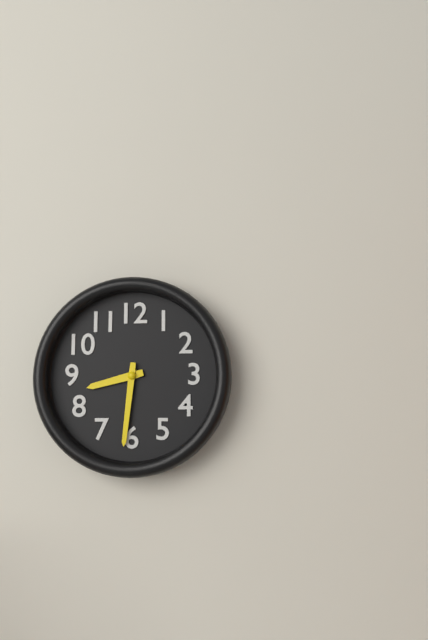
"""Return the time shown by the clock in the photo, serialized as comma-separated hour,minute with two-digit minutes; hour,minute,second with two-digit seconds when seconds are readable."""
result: 8,31
